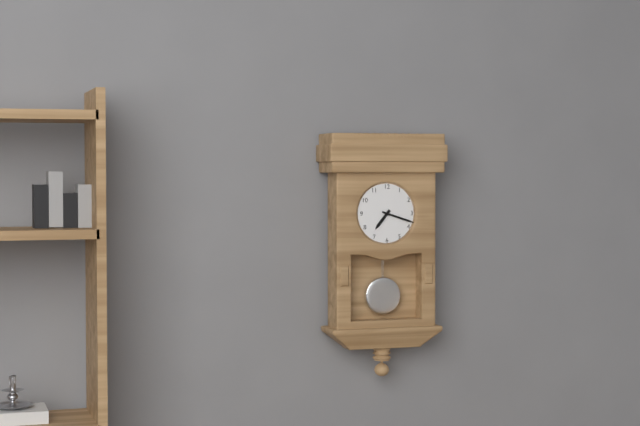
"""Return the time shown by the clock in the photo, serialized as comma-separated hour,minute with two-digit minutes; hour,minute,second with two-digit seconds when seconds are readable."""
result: 7,18
